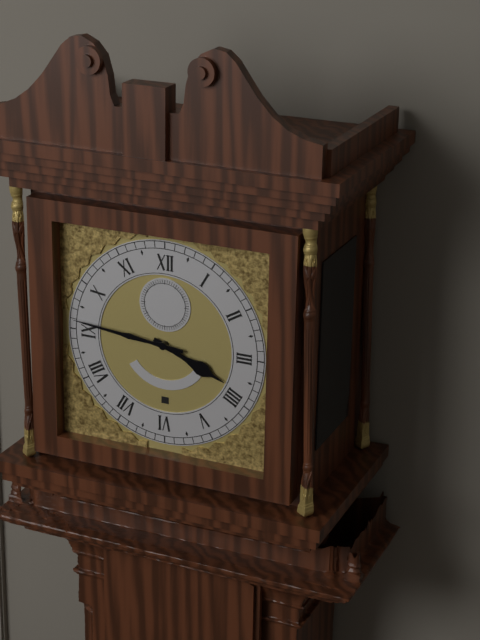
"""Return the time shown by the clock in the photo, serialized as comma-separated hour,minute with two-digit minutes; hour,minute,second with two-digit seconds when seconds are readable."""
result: 3,46
